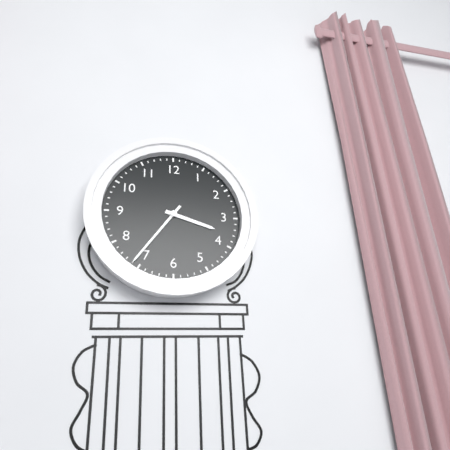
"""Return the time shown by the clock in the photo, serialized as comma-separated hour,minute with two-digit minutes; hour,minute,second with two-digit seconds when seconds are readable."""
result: 3,36
